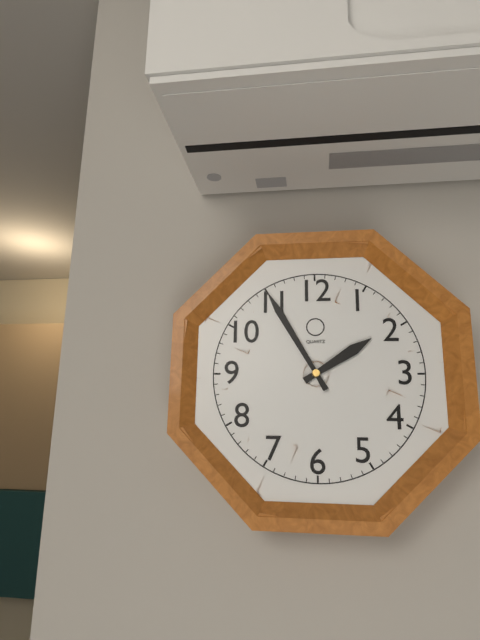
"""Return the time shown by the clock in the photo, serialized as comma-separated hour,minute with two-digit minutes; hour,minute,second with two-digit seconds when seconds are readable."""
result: 1,55
